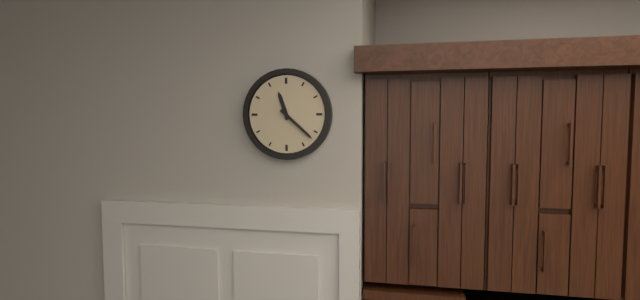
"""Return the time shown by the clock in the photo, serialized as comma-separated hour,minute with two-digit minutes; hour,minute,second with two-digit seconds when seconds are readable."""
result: 11,22
